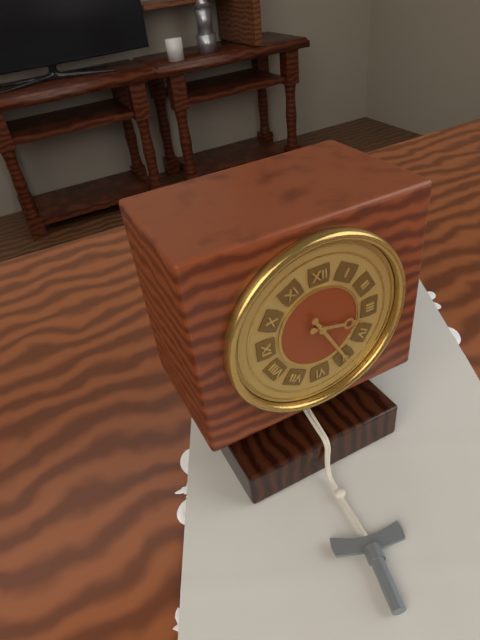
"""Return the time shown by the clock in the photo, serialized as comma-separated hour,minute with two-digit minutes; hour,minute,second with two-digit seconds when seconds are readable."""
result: 3,25
